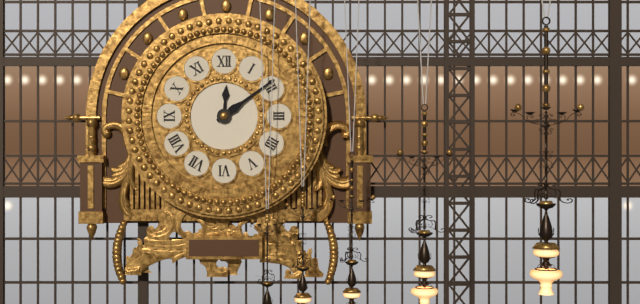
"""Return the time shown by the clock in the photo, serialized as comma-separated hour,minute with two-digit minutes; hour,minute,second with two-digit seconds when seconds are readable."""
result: 12,09
